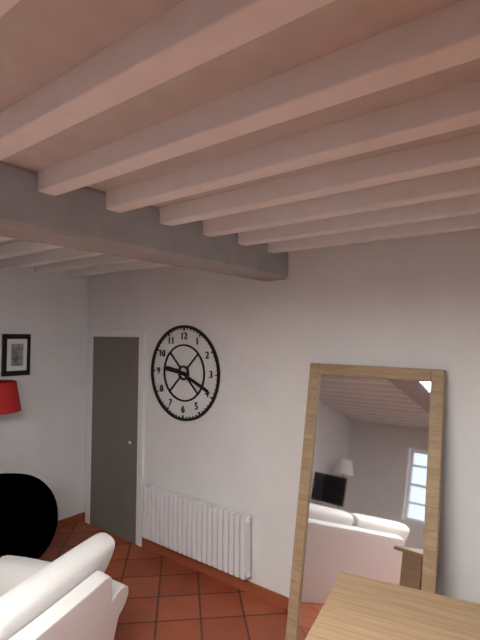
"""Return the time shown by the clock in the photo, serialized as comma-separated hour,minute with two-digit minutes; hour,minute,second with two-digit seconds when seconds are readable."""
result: 9,19
